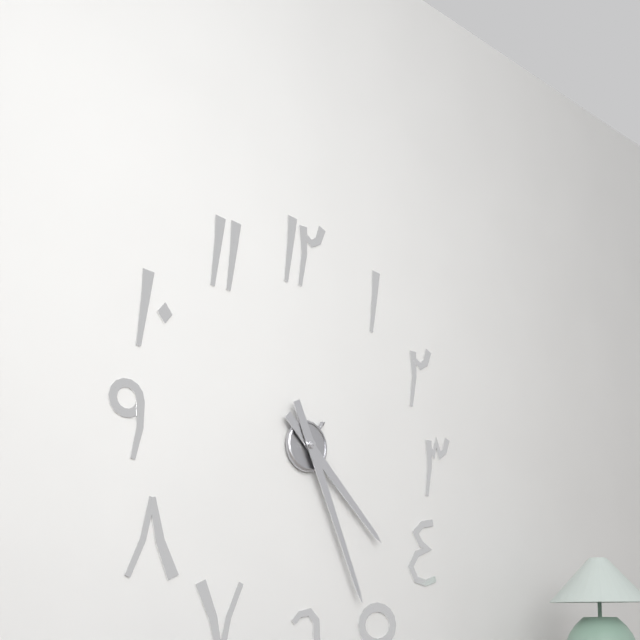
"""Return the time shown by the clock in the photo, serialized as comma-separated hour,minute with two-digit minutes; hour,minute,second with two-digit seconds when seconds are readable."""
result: 4,26
